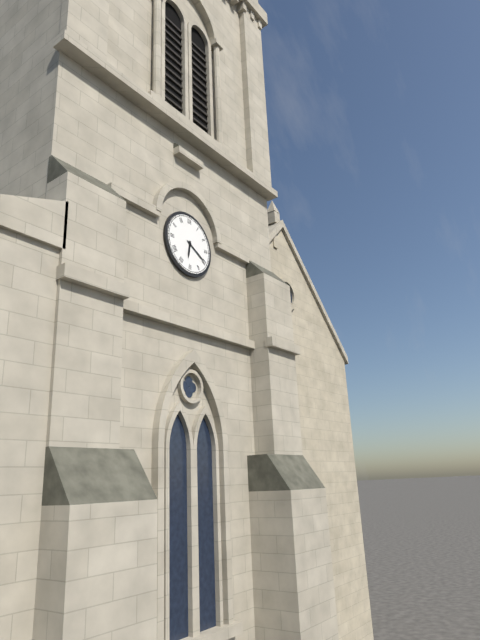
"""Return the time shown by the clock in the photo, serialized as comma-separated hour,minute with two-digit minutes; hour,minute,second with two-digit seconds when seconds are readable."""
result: 6,20
